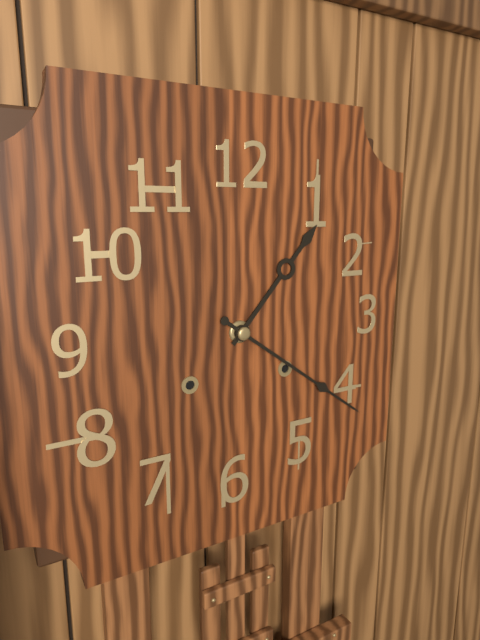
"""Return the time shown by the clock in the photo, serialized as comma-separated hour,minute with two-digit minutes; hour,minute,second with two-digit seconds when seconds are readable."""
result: 1,21
